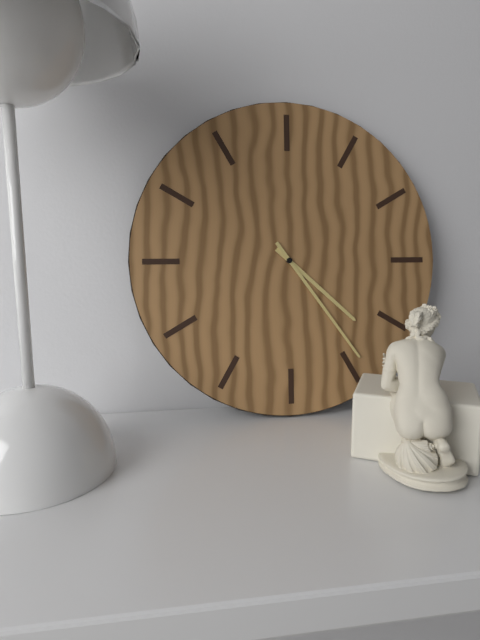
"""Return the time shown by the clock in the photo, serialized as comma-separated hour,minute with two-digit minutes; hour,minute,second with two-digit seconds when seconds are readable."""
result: 4,24
